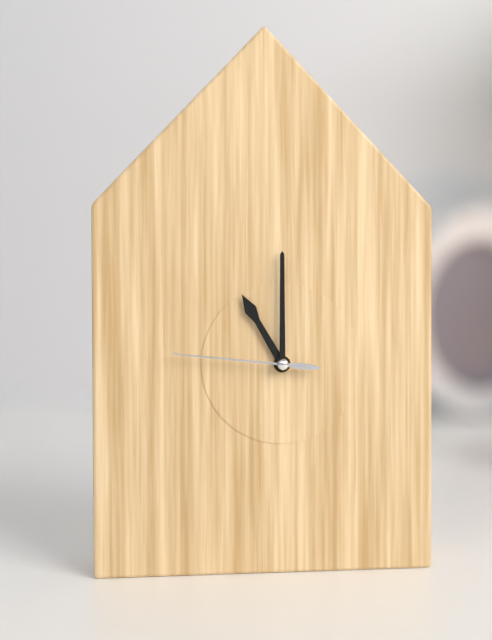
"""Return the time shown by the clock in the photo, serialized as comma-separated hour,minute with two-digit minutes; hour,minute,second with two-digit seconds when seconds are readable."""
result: 11,00,46
